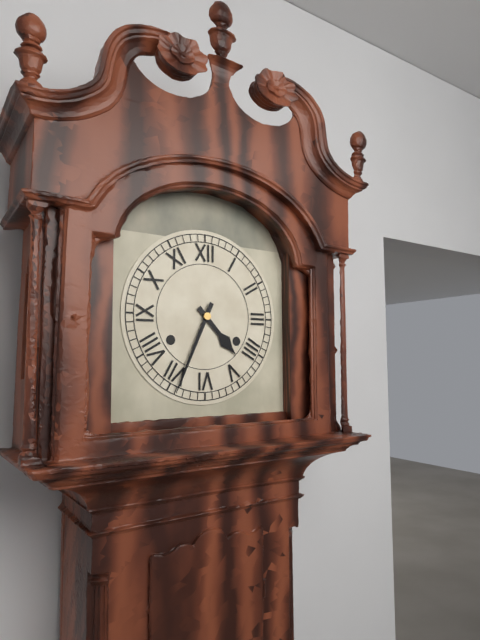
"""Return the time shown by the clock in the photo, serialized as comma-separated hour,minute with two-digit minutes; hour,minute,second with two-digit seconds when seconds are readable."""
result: 4,34
